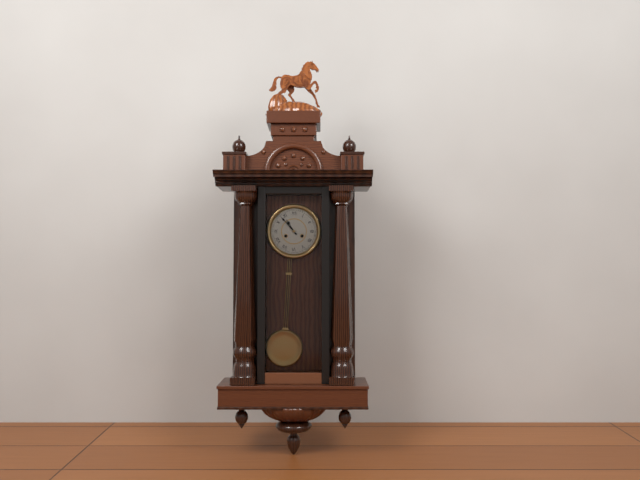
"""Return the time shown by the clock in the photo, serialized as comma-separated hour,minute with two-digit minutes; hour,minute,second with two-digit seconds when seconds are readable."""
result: 10,53
